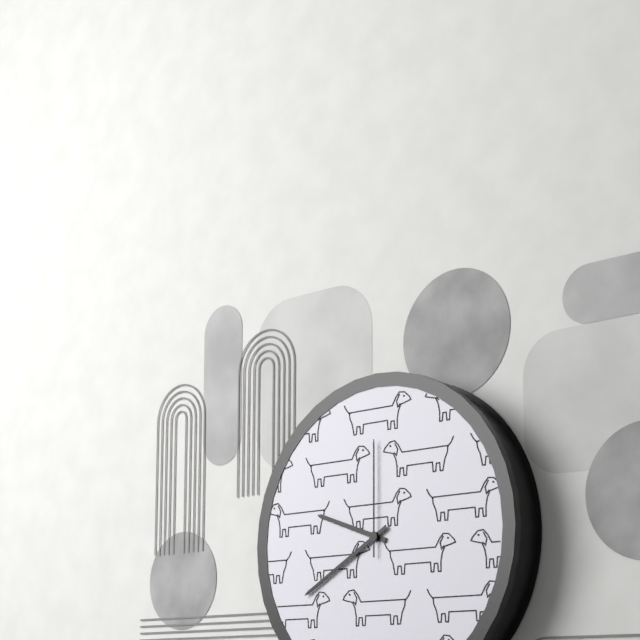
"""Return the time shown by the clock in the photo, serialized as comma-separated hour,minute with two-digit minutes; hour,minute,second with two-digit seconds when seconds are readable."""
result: 9,40,00
